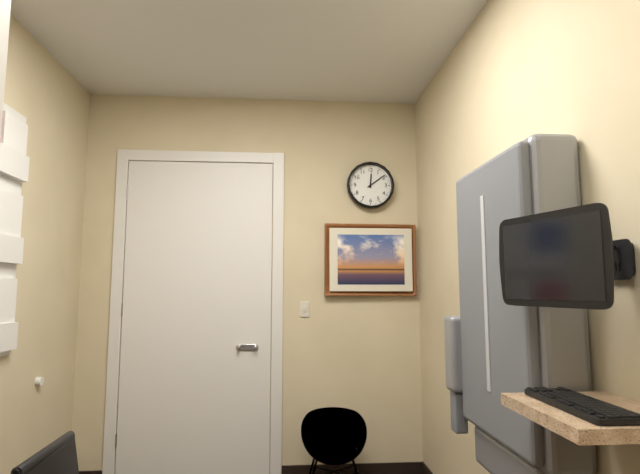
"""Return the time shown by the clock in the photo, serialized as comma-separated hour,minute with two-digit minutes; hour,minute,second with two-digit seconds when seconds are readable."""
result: 12,09
